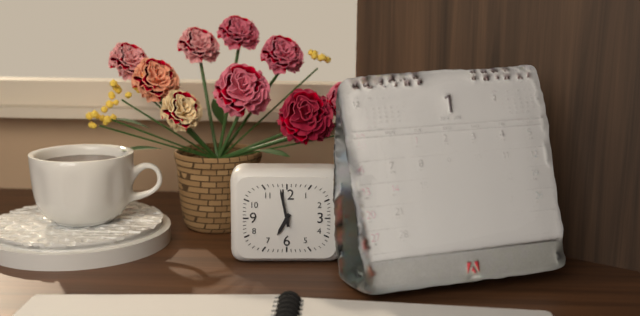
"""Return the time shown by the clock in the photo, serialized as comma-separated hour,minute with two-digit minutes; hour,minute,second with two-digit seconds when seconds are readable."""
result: 6,58
